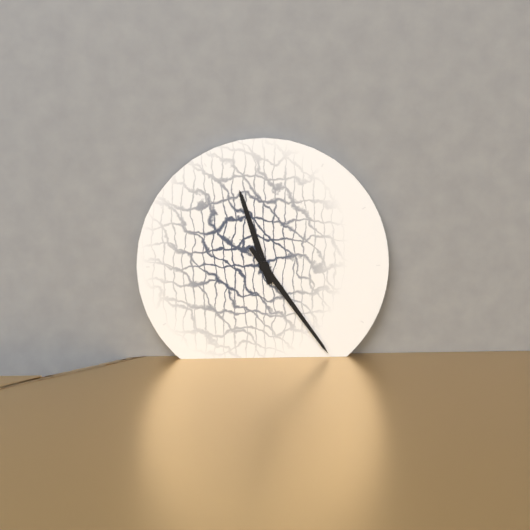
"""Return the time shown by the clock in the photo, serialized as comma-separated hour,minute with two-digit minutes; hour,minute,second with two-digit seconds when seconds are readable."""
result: 11,24
